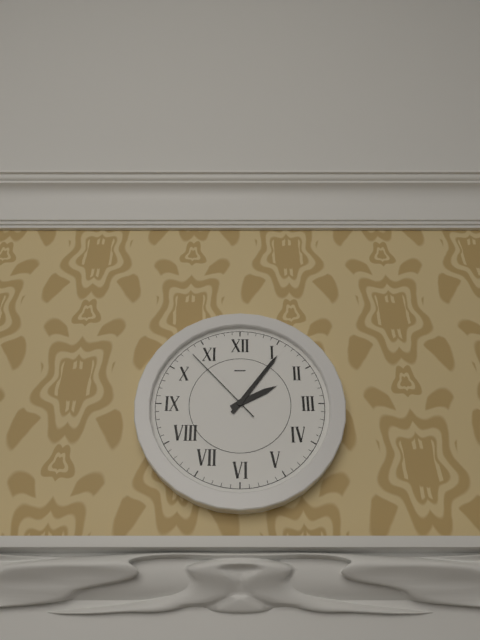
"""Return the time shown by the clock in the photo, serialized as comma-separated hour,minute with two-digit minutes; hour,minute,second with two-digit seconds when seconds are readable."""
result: 2,06,53
